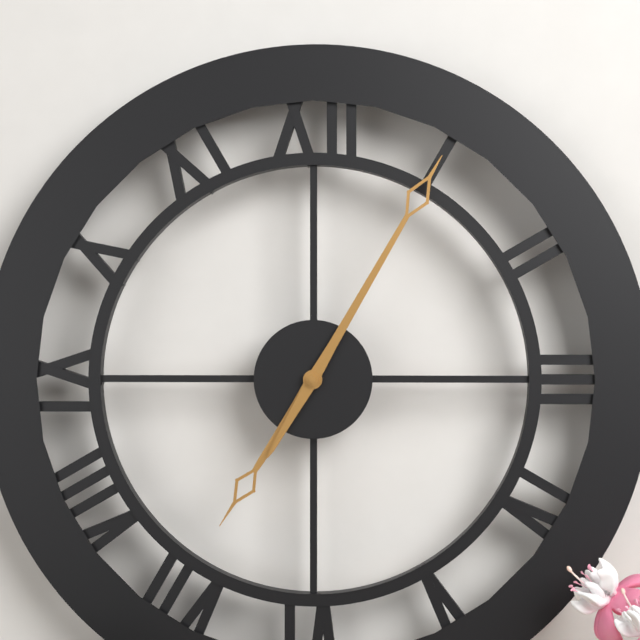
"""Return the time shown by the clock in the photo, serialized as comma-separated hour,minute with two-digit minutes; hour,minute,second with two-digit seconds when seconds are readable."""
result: 7,05
